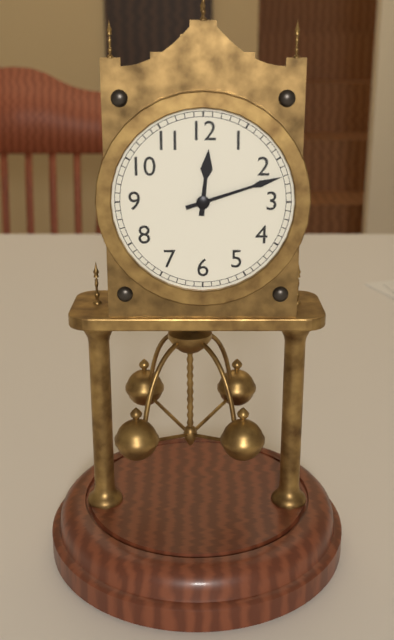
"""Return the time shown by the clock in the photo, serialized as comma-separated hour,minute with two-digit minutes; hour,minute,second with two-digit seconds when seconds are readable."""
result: 12,12
